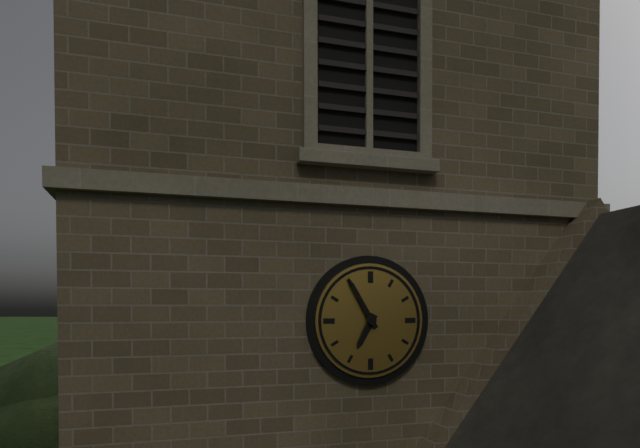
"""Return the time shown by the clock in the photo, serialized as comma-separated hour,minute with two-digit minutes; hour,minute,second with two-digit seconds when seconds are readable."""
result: 6,55
